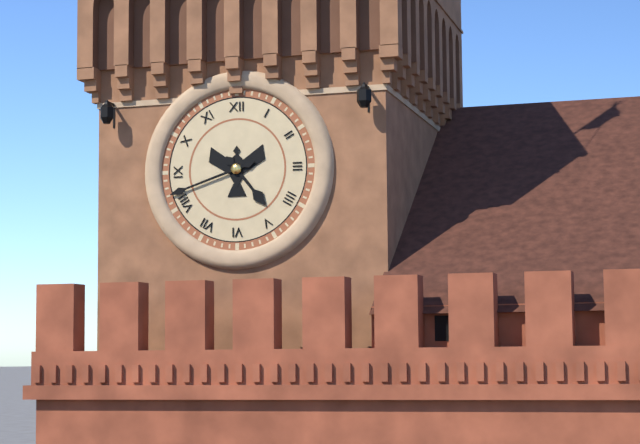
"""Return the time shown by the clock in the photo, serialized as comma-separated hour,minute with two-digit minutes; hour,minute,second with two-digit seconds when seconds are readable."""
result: 4,42
